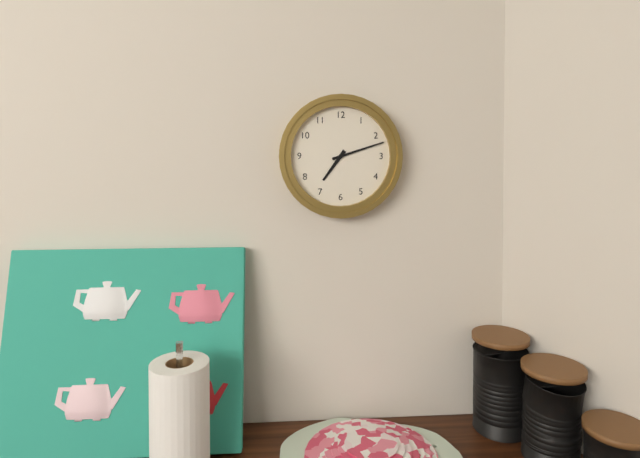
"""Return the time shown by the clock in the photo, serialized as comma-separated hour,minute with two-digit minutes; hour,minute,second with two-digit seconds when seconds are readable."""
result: 7,12
